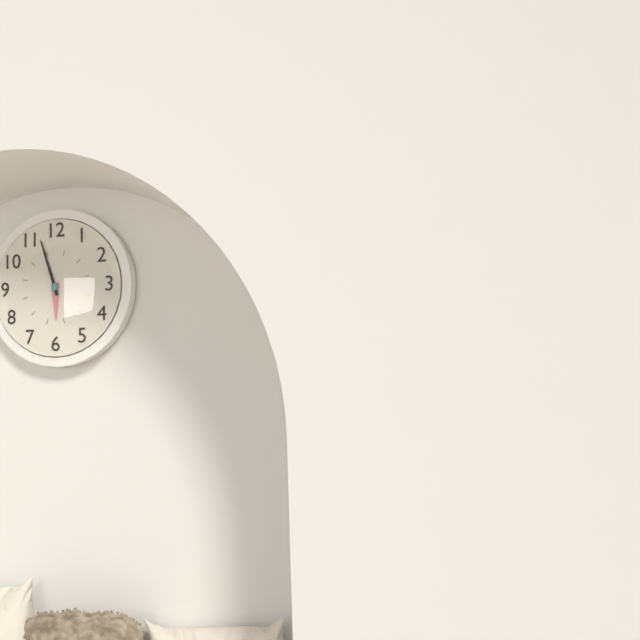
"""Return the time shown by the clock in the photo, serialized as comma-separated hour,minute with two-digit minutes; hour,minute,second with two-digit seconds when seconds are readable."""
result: 5,57
